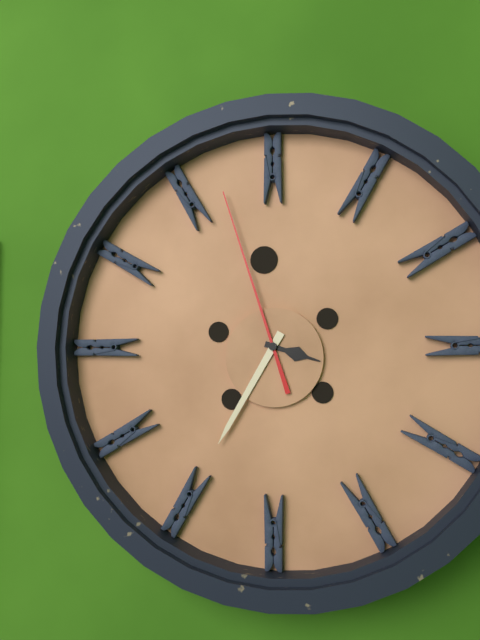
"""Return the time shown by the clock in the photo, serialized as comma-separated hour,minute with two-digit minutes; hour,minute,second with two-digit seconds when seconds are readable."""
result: 3,35,57
